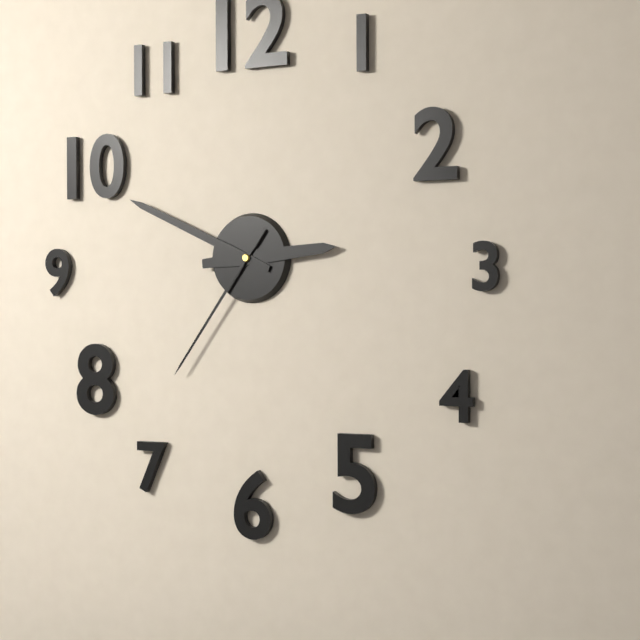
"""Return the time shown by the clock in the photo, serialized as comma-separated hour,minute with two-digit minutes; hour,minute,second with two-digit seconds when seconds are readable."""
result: 2,49,36
